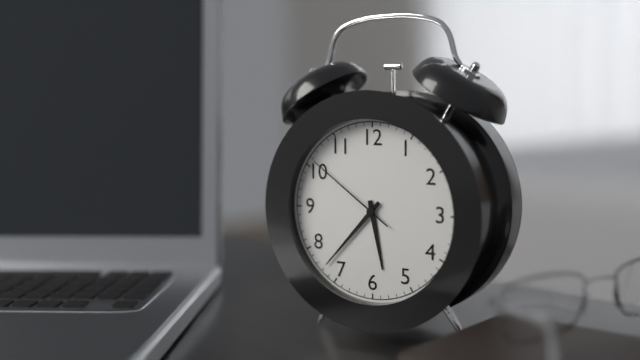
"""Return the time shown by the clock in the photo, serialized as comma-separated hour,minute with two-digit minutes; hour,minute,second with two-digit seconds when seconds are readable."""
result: 5,37,51
